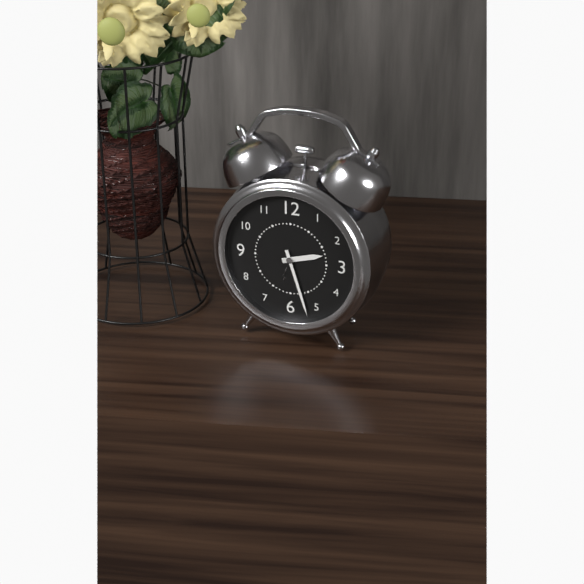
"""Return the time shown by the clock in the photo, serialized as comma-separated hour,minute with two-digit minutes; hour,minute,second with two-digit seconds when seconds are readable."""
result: 2,27
